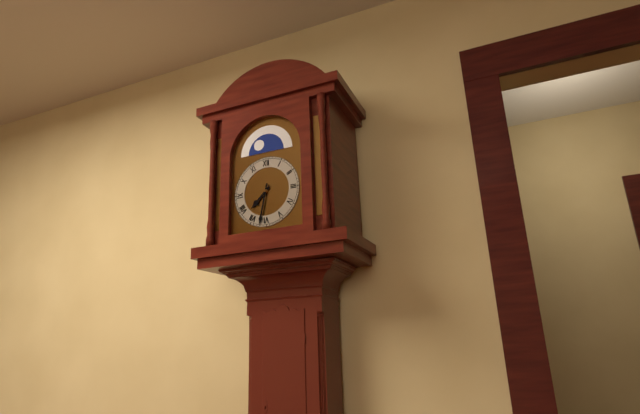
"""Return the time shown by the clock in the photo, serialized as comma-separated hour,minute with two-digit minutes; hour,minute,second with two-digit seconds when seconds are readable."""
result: 7,32
